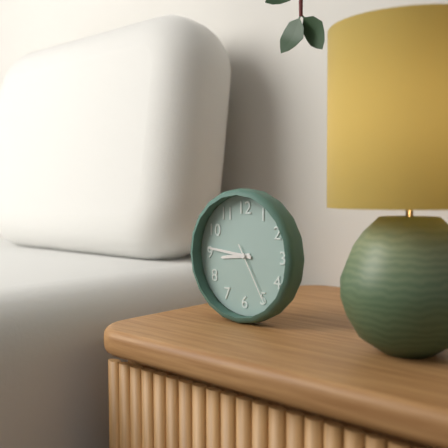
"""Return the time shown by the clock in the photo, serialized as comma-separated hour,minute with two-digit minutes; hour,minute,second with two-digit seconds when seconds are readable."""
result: 8,46,25
